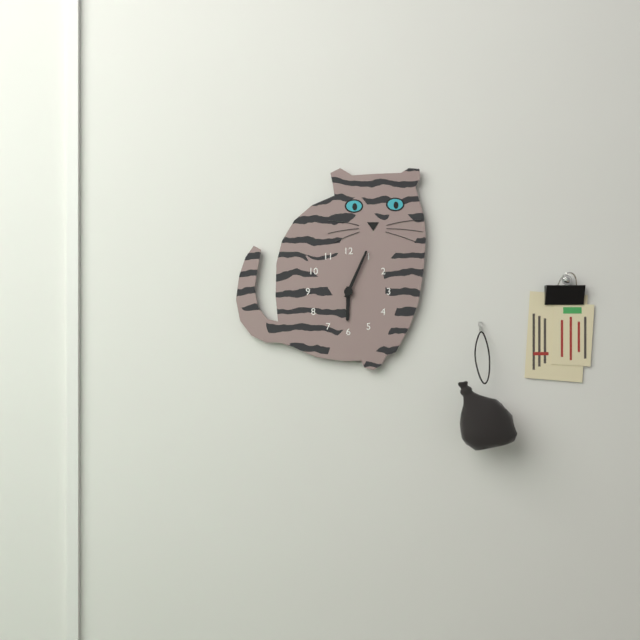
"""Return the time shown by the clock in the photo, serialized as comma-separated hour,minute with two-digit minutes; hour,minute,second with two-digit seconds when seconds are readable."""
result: 6,04
